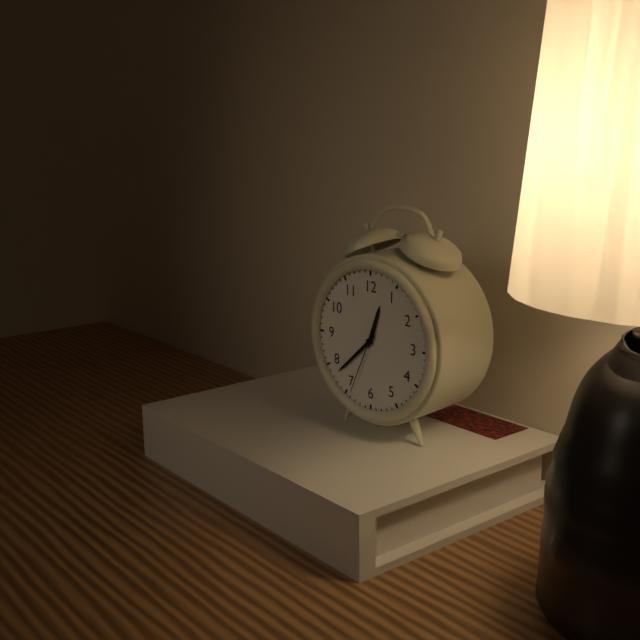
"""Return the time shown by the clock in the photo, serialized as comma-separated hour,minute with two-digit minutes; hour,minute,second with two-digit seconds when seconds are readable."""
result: 12,38,34
